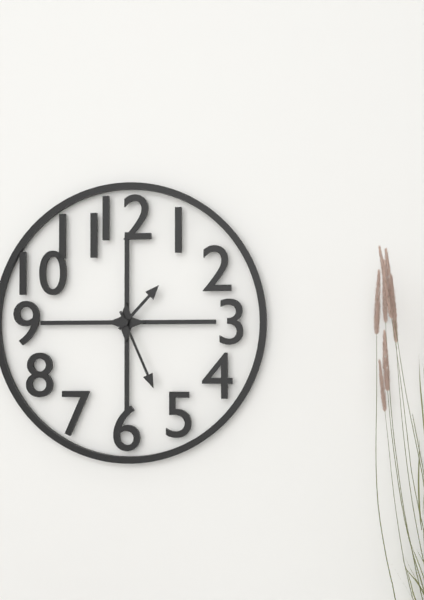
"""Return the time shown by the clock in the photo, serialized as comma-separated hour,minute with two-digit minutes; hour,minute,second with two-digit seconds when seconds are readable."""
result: 1,26
